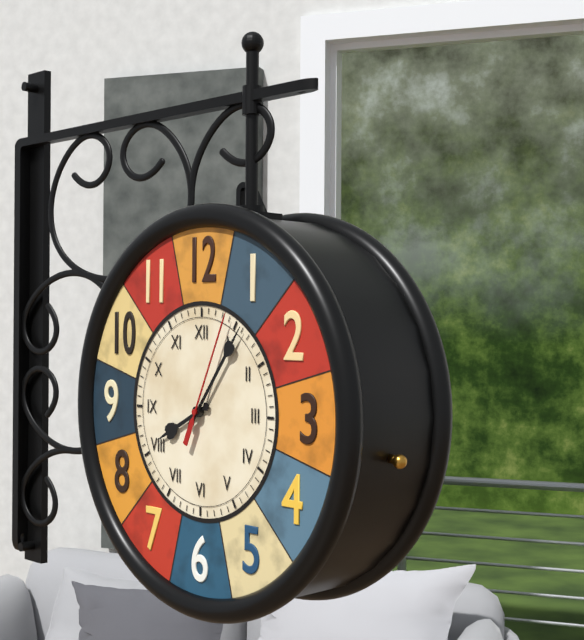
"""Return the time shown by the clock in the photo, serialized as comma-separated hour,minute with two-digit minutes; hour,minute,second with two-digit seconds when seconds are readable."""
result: 8,06,04
